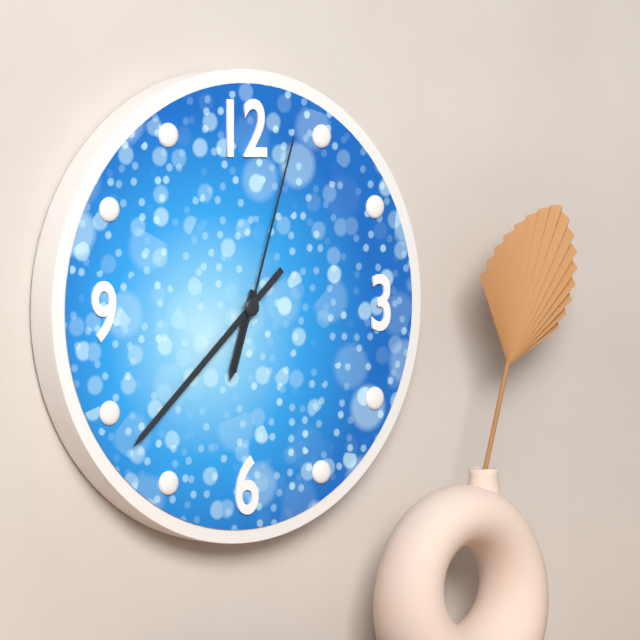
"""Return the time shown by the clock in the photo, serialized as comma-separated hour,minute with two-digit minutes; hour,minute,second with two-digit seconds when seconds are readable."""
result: 6,38,03
